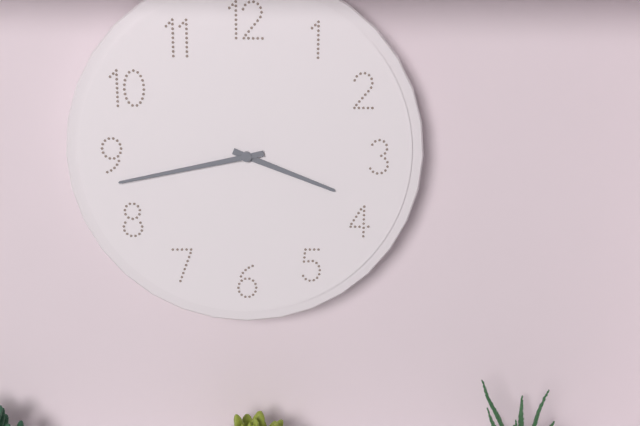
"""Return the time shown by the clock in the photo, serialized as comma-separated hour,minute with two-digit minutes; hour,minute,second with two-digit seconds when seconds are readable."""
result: 3,43
